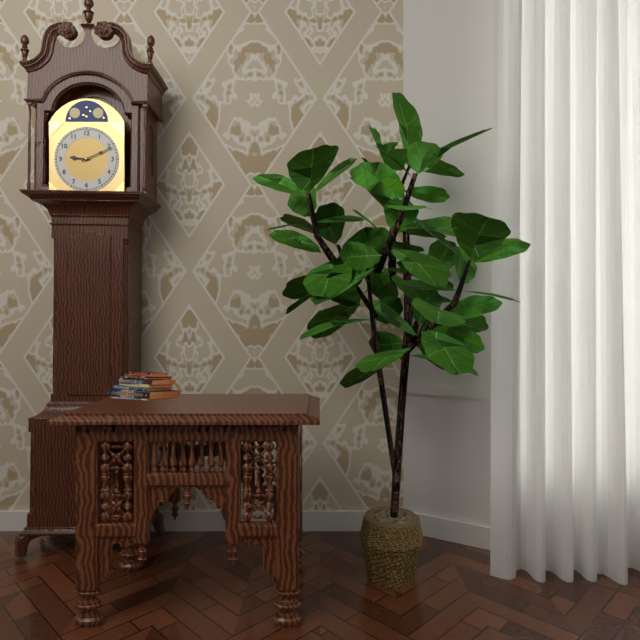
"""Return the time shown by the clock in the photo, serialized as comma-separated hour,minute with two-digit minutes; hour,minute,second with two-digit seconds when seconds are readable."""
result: 9,11
